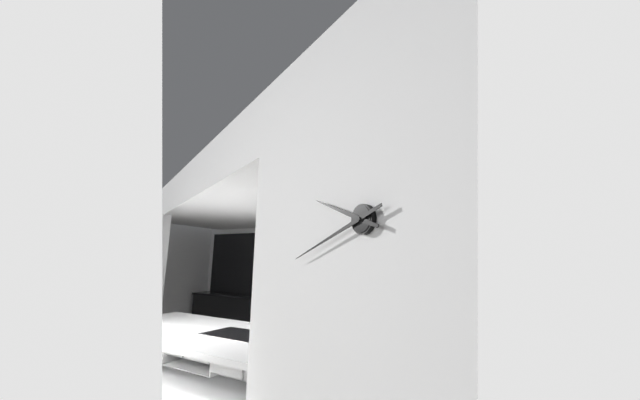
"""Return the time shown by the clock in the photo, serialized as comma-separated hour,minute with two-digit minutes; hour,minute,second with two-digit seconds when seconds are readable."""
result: 9,42
